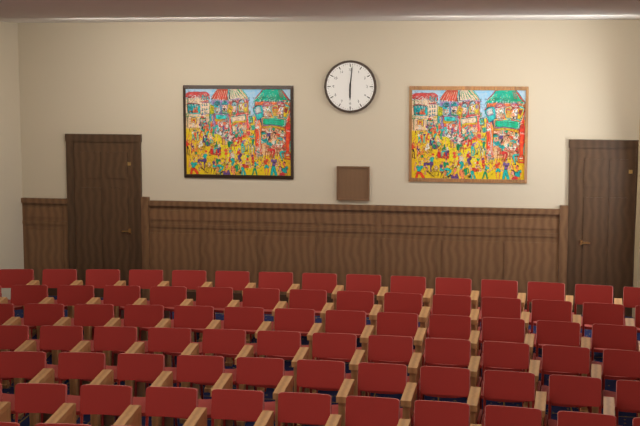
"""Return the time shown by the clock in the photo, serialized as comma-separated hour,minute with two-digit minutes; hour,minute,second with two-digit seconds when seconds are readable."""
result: 6,01
